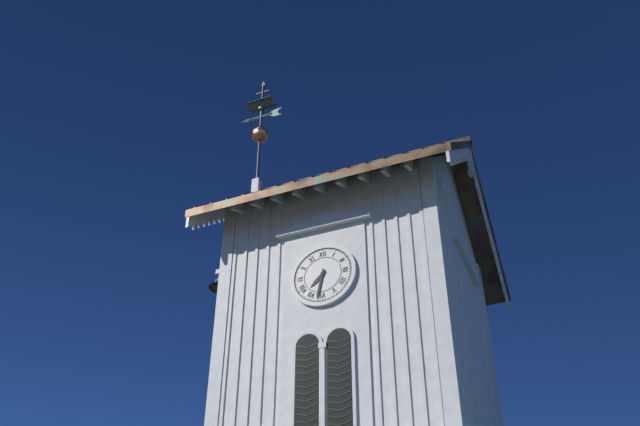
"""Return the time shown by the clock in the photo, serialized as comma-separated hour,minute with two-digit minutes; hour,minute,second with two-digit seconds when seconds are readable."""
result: 7,32
